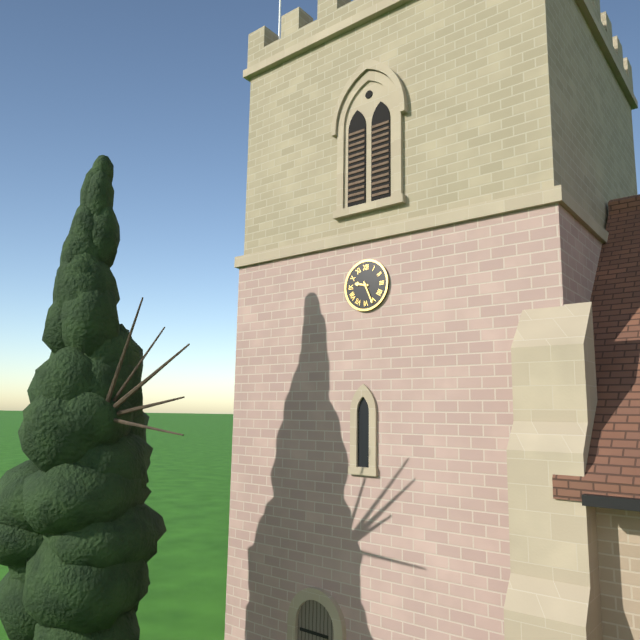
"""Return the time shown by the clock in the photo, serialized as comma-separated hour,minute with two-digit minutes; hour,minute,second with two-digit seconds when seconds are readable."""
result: 9,26
